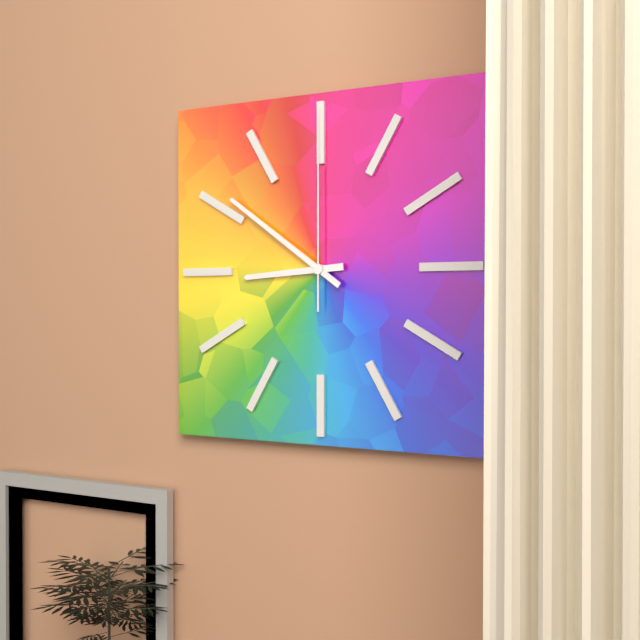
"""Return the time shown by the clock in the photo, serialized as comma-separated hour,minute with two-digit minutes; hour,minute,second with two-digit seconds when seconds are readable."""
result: 8,51,00
